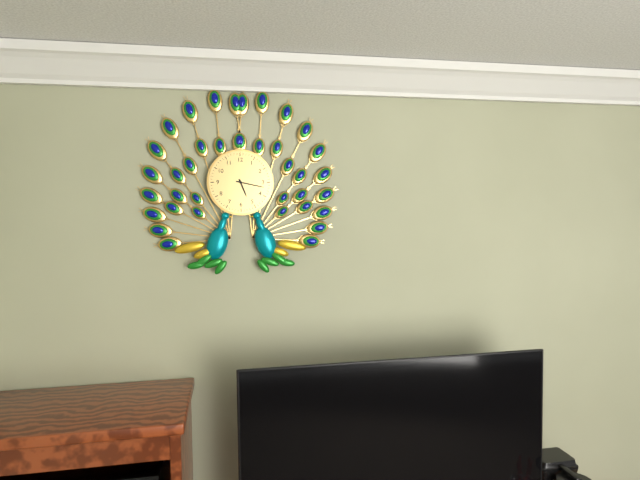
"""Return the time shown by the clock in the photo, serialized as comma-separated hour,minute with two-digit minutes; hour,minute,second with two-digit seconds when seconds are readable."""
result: 5,17
